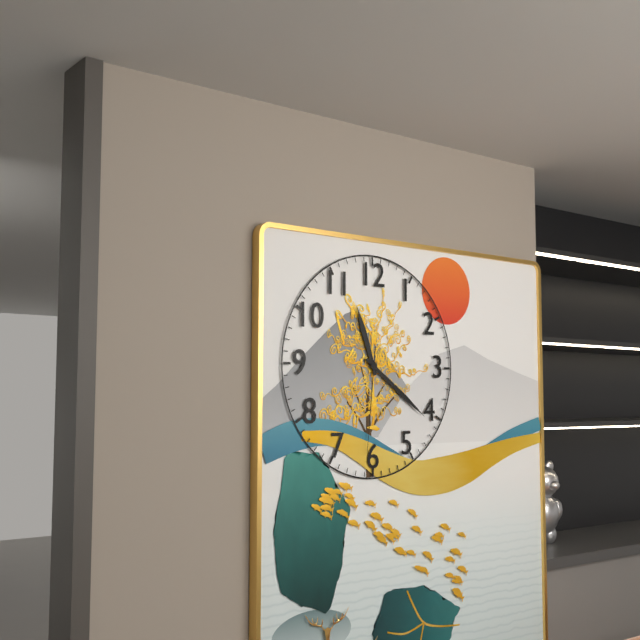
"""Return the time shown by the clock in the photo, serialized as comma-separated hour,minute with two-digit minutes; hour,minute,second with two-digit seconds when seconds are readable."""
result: 11,21,31
